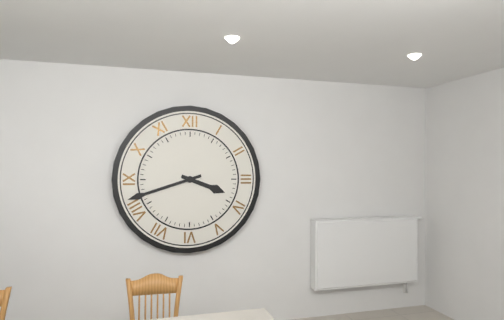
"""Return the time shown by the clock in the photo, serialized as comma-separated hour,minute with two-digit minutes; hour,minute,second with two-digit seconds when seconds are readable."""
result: 3,42
